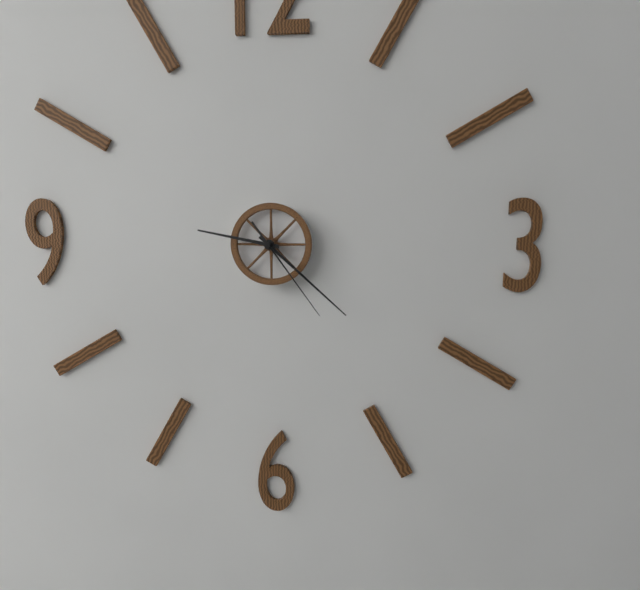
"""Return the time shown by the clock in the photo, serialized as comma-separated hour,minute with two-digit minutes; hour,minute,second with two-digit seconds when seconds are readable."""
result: 9,22,24
